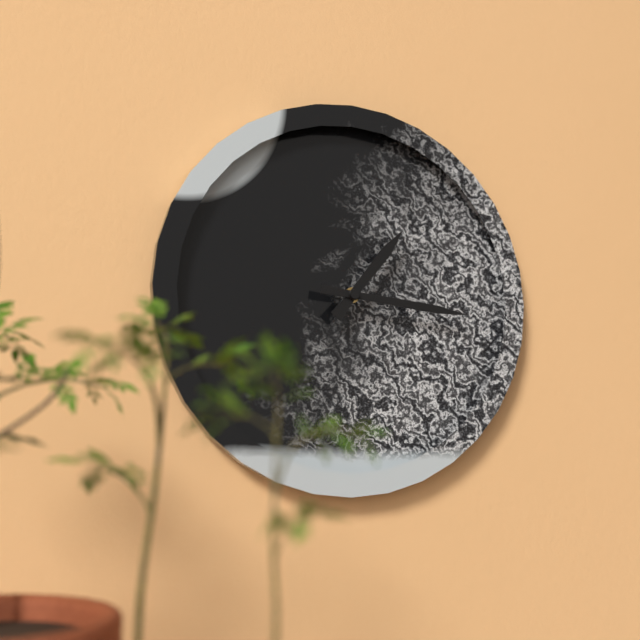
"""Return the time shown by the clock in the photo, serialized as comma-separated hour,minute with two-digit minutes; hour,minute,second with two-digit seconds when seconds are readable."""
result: 1,16
